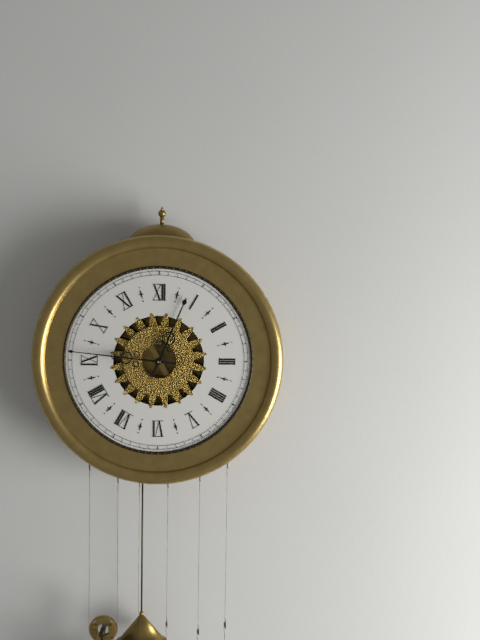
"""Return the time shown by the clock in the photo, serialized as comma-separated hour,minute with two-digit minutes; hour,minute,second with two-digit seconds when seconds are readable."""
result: 12,46
